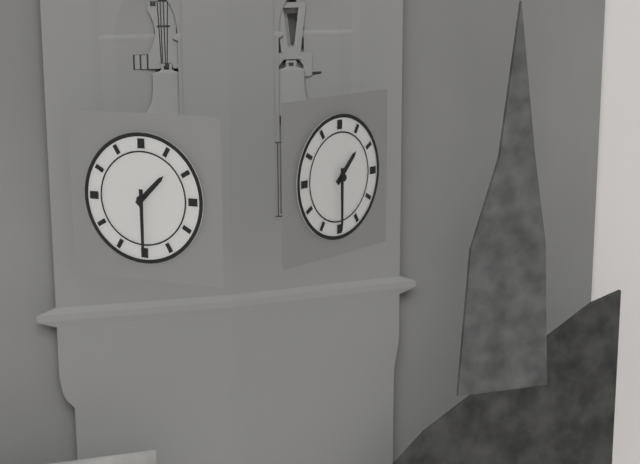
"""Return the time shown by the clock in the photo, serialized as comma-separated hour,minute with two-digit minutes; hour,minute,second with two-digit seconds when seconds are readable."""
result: 1,30
